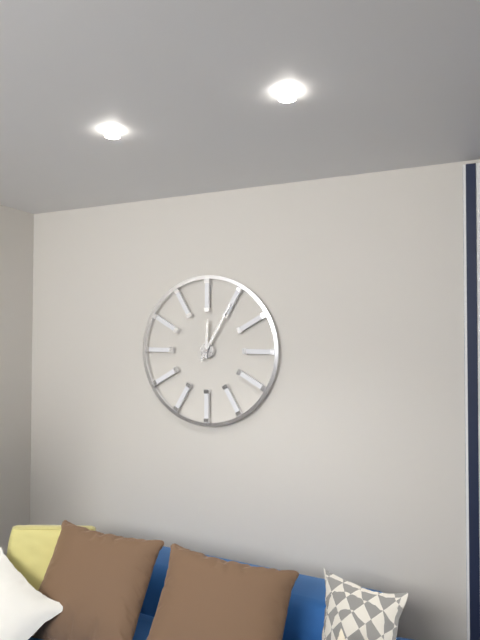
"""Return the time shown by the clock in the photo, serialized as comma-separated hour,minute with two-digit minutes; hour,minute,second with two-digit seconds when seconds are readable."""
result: 12,05
